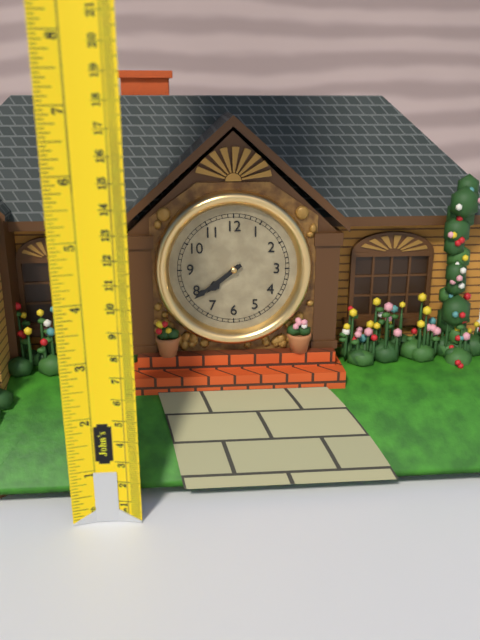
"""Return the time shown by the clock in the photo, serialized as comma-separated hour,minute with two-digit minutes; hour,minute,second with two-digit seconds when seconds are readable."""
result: 7,39
